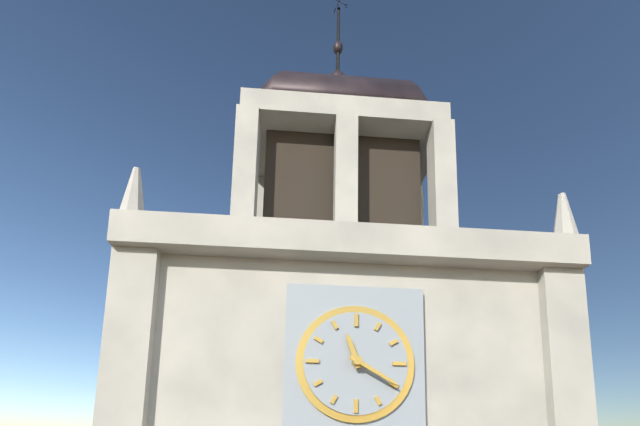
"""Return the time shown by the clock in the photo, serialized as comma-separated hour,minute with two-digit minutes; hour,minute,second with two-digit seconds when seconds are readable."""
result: 11,20
